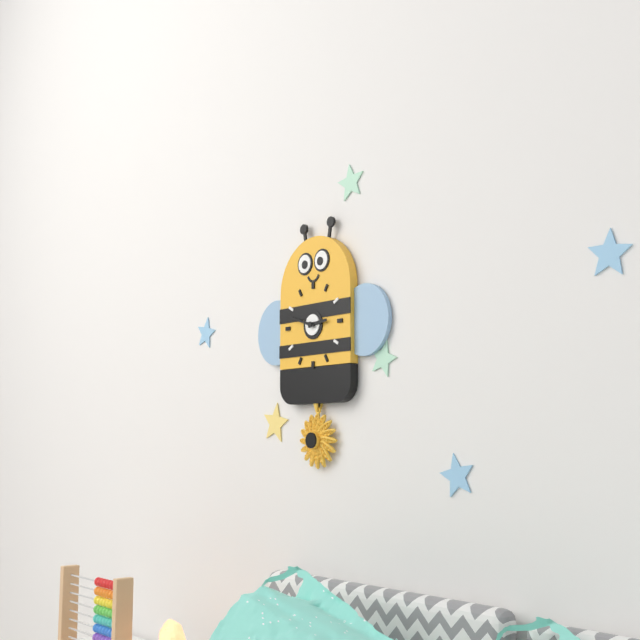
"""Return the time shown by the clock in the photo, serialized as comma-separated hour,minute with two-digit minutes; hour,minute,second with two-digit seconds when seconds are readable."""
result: 2,48
